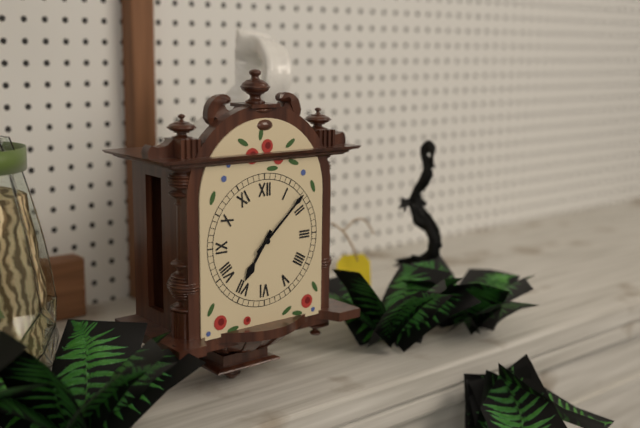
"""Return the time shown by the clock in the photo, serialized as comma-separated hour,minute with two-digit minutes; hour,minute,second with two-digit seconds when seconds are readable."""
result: 7,08
